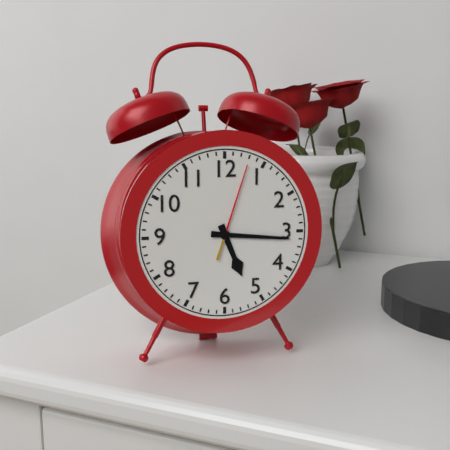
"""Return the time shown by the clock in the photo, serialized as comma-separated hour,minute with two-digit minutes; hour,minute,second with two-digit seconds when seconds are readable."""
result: 5,16,03
